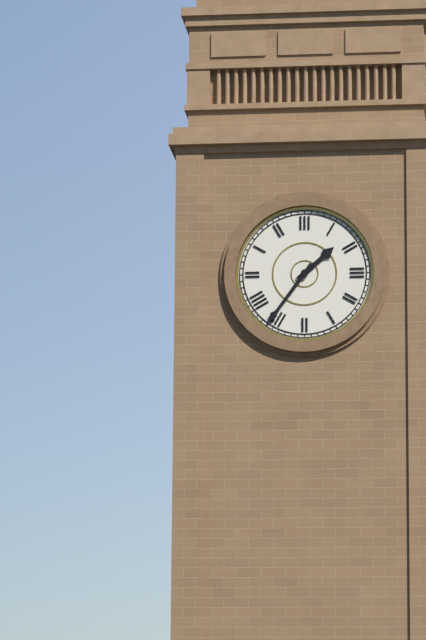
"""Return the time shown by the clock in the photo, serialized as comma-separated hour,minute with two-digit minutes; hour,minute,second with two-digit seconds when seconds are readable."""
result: 1,36
